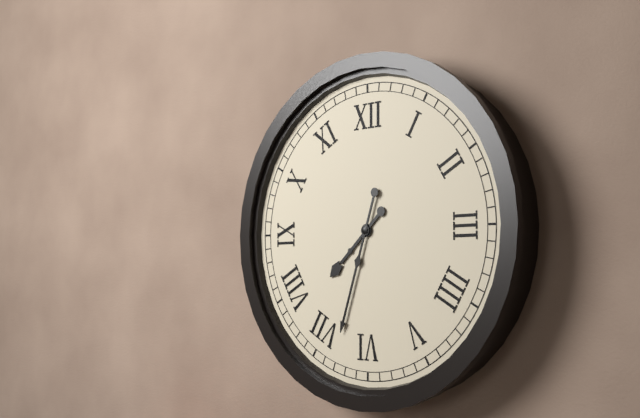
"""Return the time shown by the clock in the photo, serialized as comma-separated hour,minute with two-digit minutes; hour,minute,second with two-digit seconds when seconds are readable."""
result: 7,33
